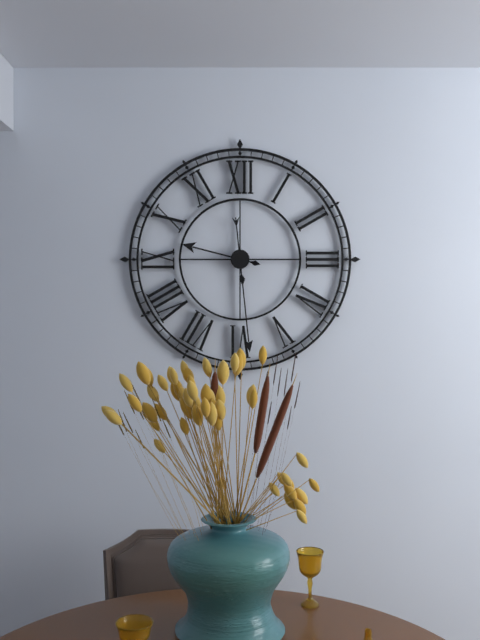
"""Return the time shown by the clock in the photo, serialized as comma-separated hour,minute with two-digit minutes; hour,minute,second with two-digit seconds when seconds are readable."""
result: 9,29
